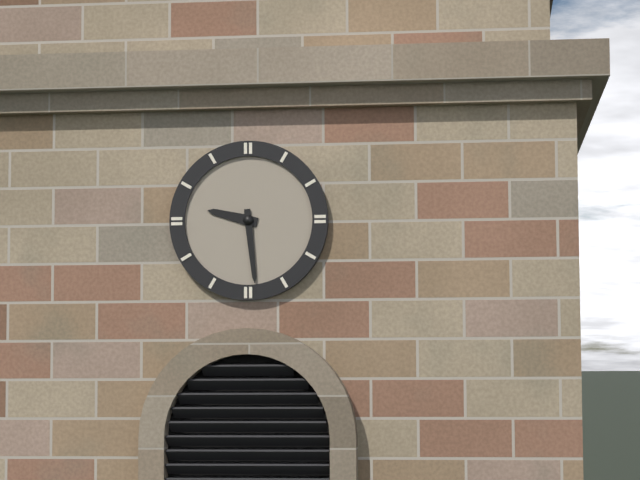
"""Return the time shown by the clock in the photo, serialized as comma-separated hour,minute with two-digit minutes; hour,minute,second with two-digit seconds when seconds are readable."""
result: 9,29
